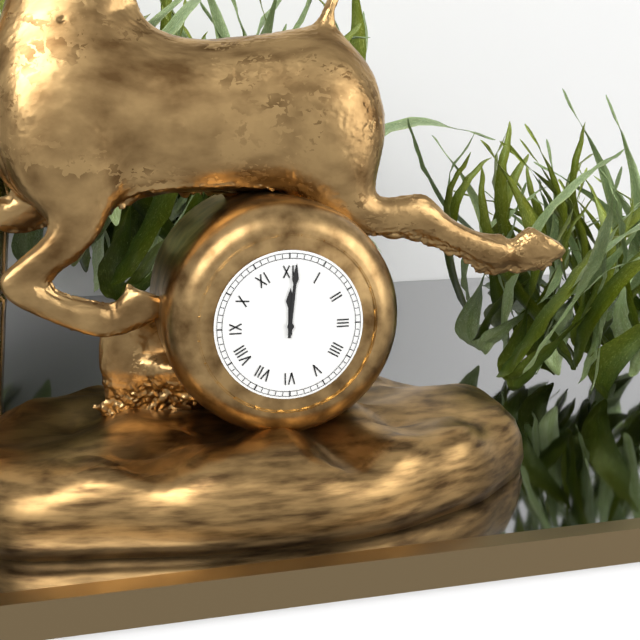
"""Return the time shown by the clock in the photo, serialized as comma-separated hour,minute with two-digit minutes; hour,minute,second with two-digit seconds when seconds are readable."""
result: 12,01
